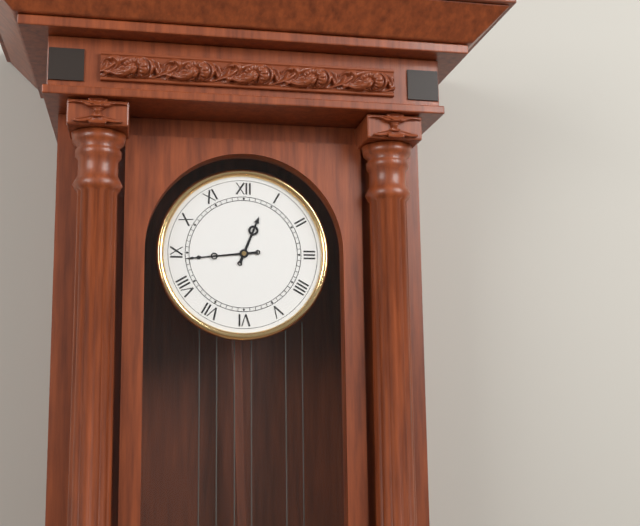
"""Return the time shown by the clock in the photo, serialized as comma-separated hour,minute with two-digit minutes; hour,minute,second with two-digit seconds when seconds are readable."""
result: 12,44
